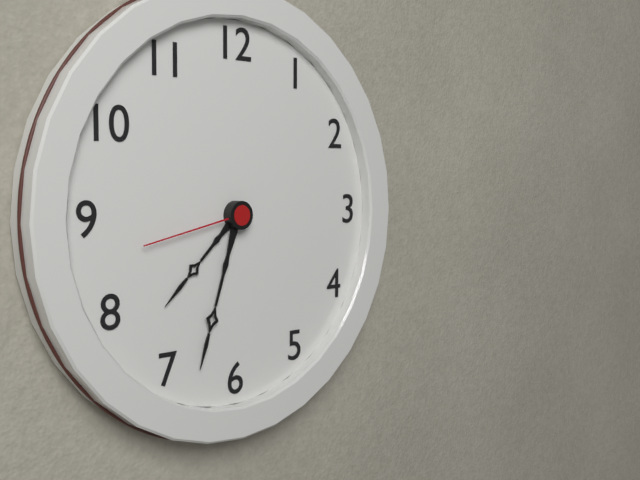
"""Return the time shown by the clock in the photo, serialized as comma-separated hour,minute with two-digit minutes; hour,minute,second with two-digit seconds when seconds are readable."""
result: 7,33,43
